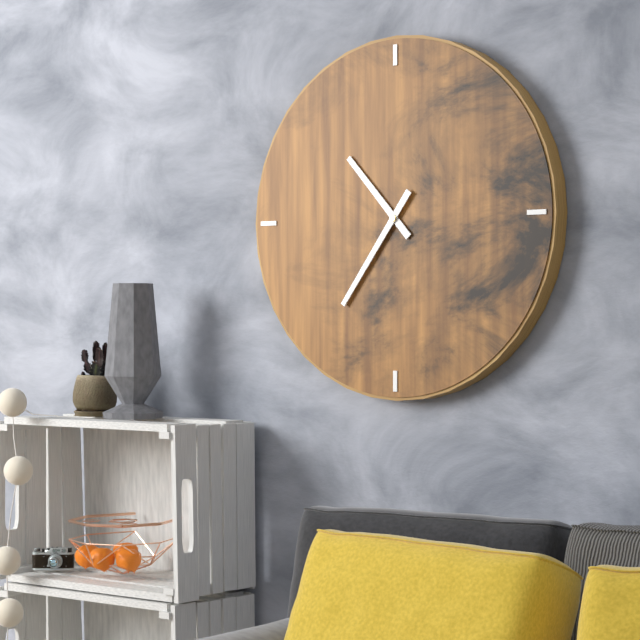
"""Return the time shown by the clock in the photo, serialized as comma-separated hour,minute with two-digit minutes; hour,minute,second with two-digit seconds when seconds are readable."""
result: 10,36
